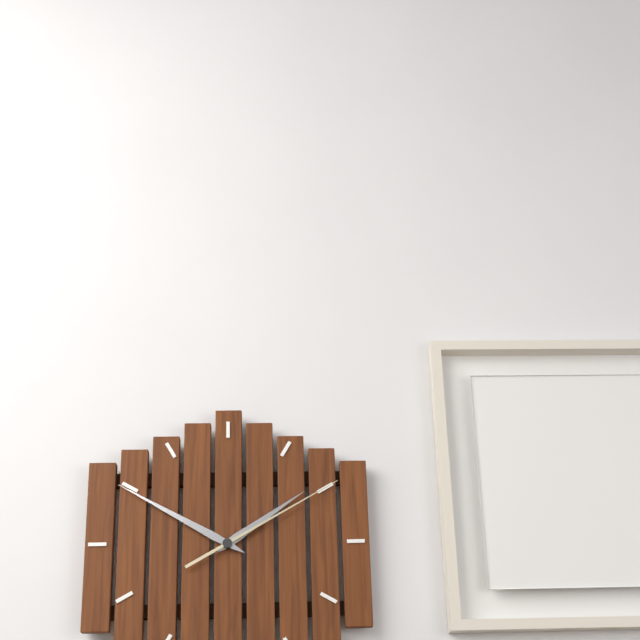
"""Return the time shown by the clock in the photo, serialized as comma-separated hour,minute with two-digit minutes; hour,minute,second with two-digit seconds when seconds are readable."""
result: 1,50,10
